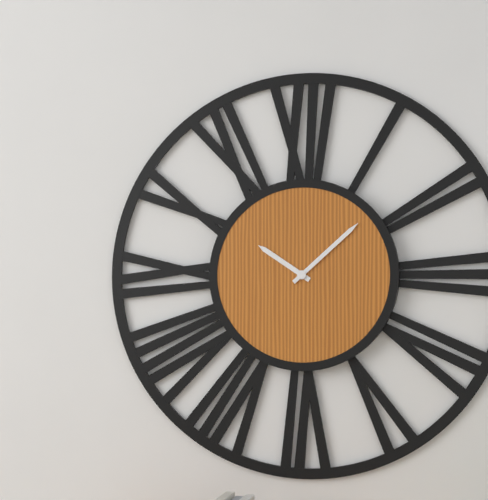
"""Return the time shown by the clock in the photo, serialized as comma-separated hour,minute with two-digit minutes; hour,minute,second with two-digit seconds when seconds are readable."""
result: 10,08
